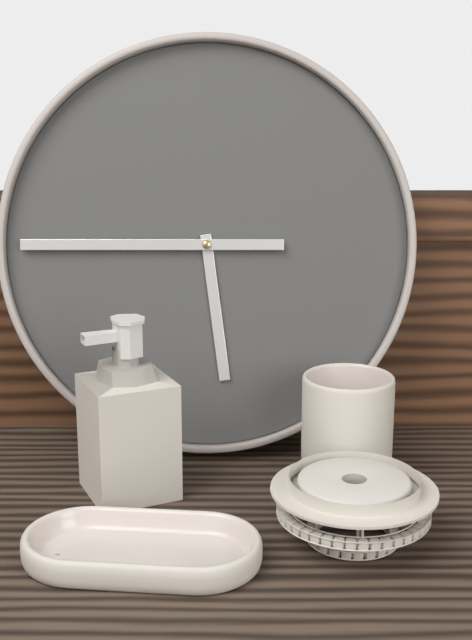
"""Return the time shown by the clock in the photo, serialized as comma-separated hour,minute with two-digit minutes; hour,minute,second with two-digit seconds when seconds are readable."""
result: 5,45
